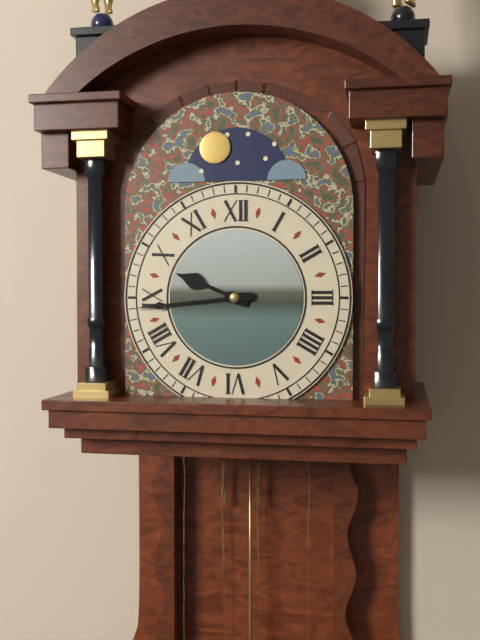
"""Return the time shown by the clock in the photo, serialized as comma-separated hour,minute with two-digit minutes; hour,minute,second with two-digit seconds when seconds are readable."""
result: 9,44
